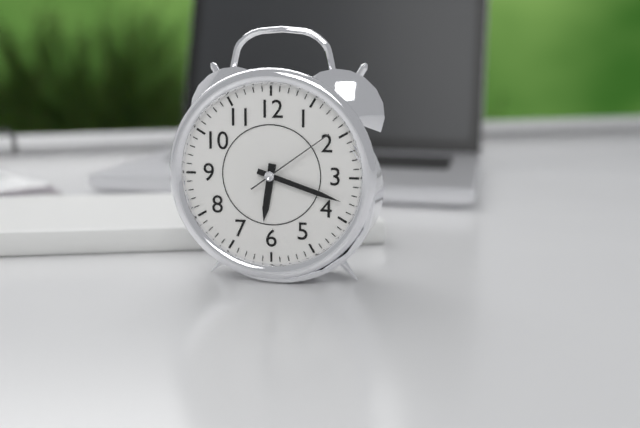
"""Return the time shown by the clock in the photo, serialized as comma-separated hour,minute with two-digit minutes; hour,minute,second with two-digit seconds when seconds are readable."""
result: 6,18,09
